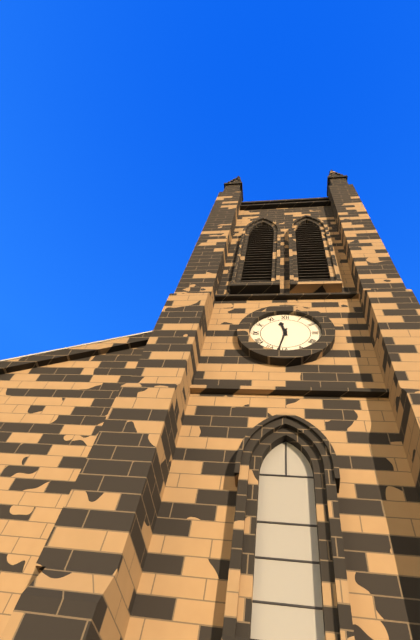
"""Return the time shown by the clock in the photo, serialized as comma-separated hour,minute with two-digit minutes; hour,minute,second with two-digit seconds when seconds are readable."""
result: 11,32
